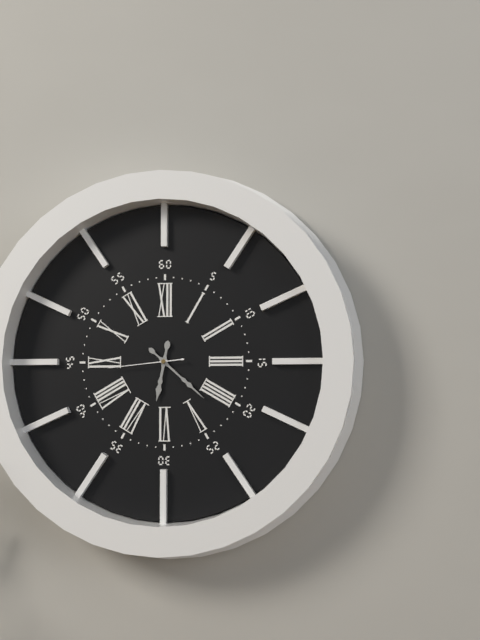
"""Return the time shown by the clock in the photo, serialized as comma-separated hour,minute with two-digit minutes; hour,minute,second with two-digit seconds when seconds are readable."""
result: 6,22,44
